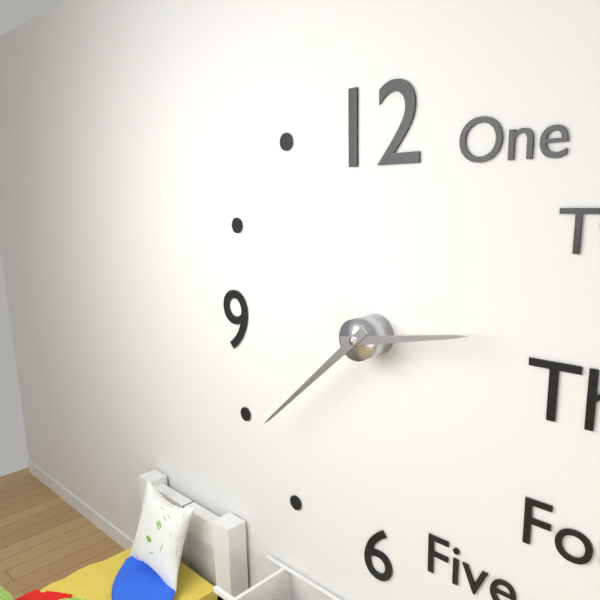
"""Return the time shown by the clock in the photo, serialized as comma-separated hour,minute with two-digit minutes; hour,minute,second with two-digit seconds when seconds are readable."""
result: 2,38
